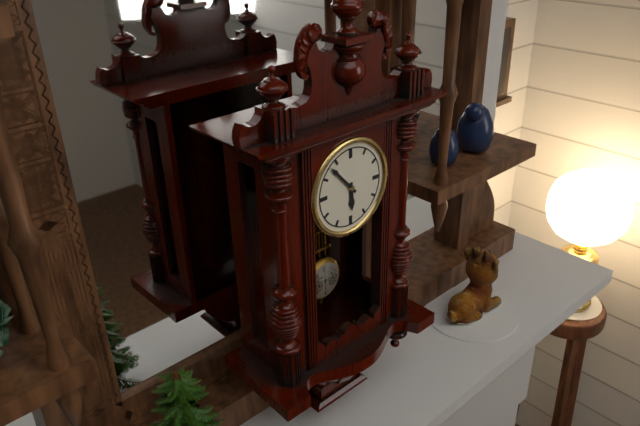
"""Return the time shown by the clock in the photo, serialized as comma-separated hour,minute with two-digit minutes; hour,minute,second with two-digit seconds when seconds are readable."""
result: 5,53
